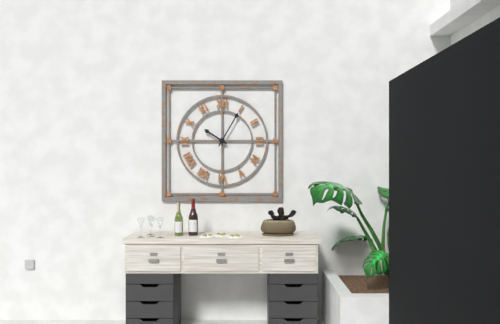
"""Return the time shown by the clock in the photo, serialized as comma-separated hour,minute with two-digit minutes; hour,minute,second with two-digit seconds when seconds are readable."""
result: 10,05
